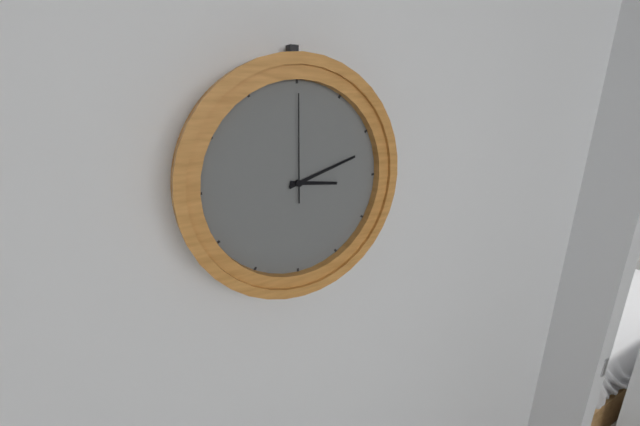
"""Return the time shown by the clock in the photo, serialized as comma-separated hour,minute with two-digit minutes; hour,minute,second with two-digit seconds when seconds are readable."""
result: 3,12,00
